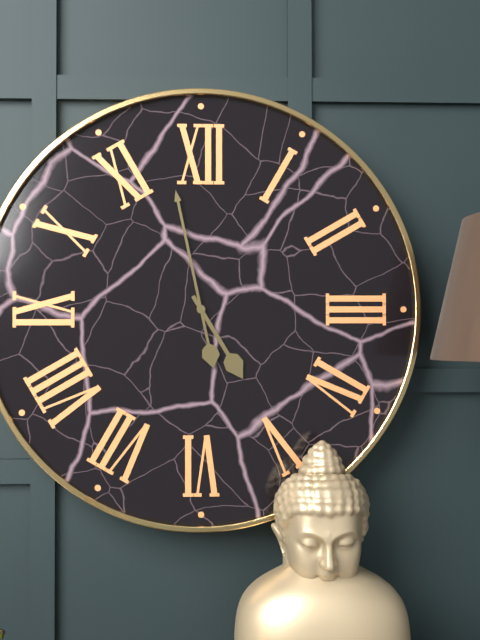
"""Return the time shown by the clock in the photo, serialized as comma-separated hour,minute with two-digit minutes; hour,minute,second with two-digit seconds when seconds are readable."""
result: 4,58
